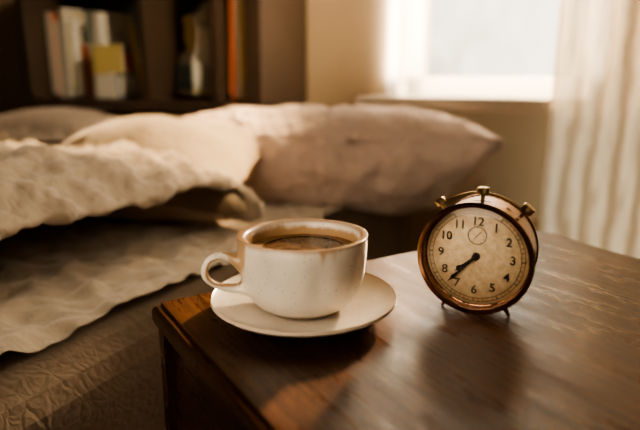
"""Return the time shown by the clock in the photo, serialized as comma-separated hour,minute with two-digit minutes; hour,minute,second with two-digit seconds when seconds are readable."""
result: 7,37,25
